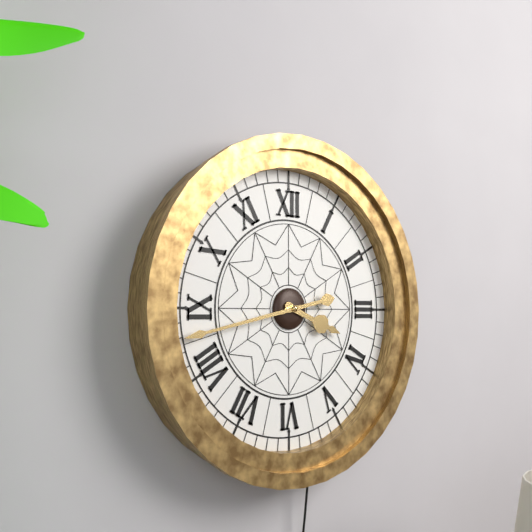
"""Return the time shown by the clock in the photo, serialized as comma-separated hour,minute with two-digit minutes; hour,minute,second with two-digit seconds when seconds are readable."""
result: 3,43
